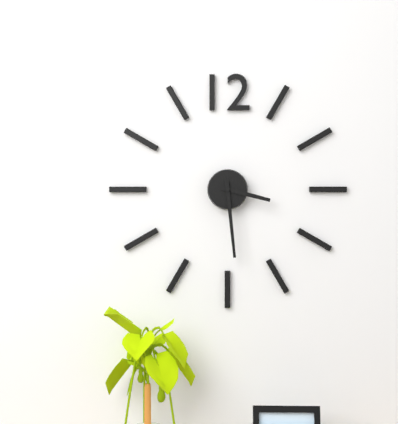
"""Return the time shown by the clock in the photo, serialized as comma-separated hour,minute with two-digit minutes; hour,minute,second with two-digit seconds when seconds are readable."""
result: 3,29
